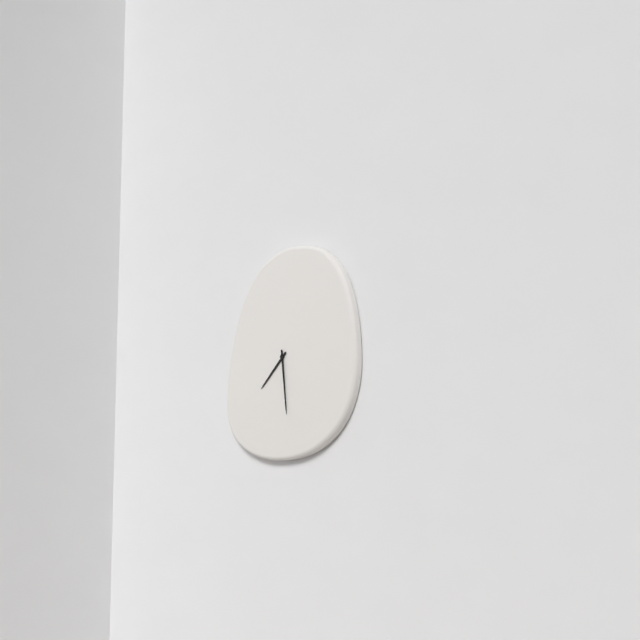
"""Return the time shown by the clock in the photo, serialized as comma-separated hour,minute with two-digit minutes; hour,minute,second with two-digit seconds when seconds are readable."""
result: 7,29
